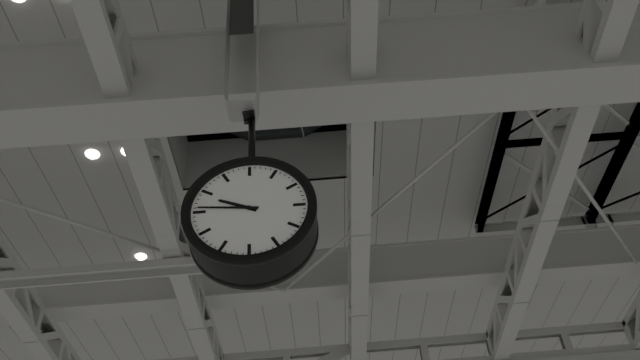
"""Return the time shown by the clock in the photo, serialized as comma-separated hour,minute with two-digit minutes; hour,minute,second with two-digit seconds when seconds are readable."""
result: 9,46
